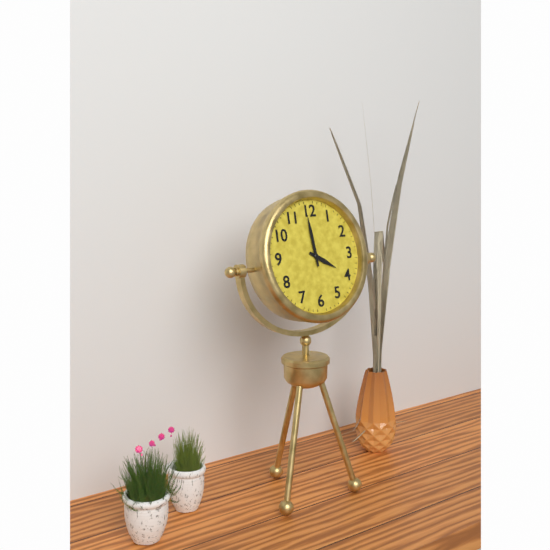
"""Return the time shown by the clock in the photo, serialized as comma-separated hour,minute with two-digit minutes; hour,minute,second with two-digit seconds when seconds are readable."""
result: 3,59
